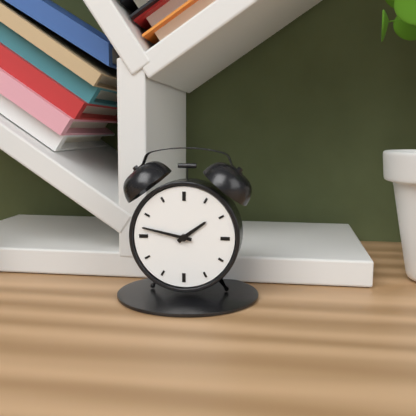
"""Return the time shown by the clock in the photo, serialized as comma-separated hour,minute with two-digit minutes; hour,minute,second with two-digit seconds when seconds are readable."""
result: 1,47
